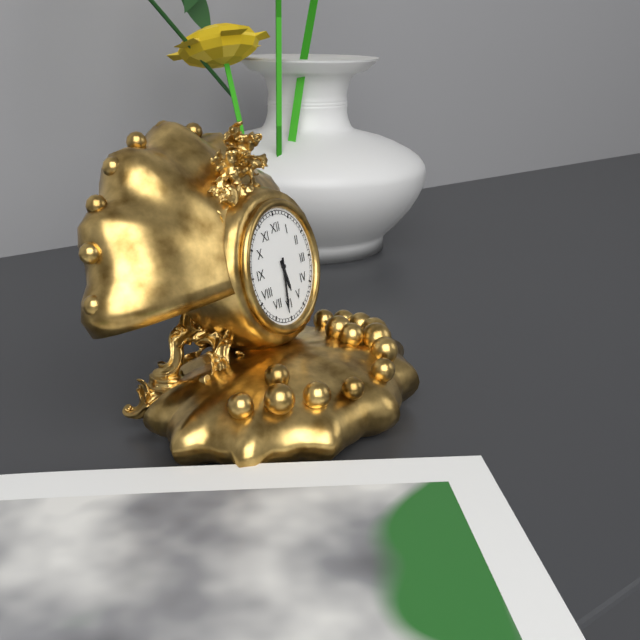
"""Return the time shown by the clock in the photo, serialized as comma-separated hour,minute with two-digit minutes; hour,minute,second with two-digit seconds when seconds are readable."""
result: 5,31
